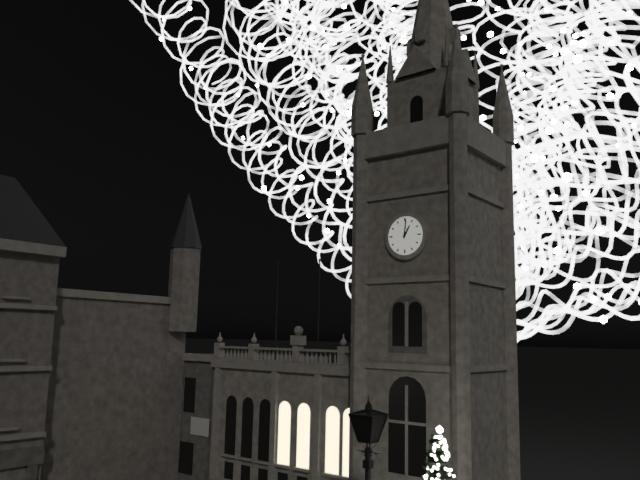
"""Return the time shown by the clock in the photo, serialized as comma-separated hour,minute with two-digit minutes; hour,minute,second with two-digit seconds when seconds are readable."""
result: 1,01
